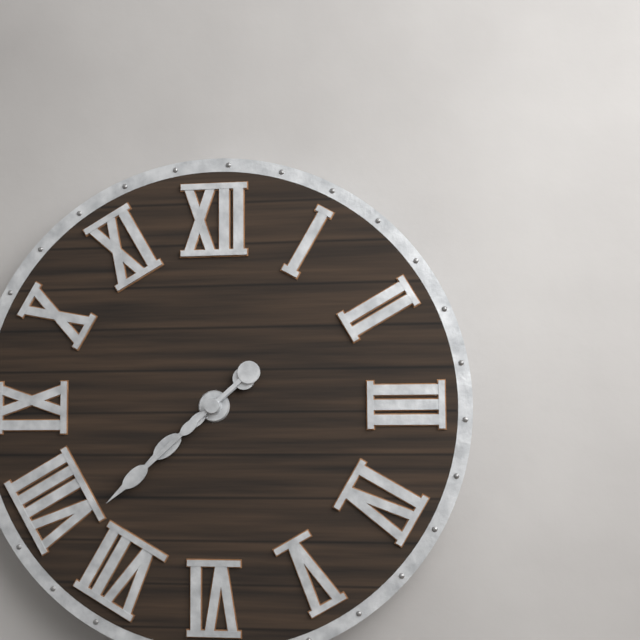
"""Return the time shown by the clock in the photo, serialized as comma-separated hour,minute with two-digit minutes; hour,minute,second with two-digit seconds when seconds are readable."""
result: 7,38
